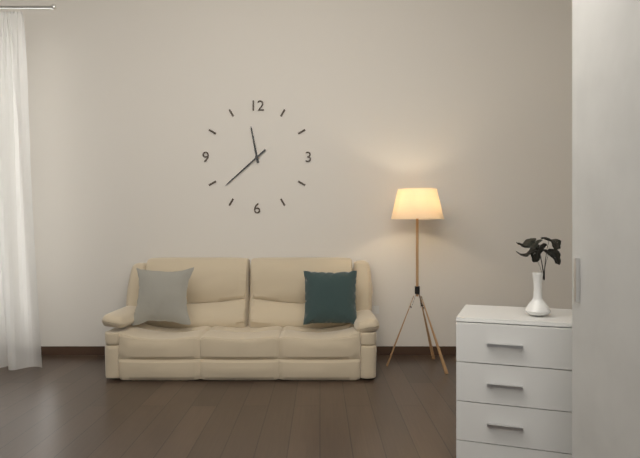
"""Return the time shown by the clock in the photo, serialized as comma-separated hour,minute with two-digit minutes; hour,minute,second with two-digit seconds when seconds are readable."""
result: 11,38
